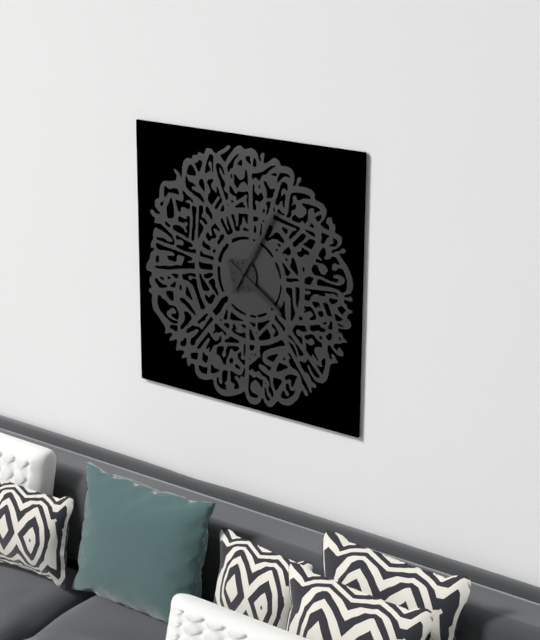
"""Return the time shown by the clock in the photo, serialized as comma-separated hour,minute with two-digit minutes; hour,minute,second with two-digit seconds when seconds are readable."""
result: 4,05
